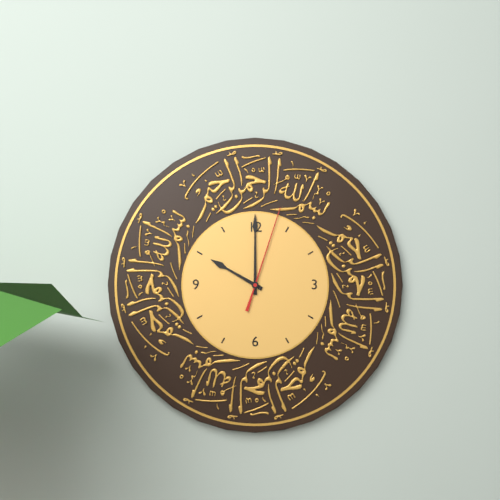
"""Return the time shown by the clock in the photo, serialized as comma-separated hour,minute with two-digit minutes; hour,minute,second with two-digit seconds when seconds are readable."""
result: 10,00,03
